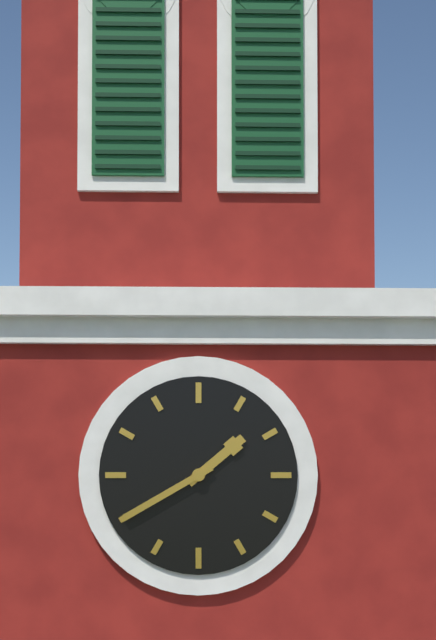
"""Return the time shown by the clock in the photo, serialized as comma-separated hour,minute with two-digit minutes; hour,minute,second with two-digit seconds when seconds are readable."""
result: 1,40
